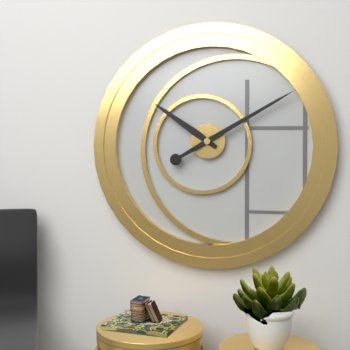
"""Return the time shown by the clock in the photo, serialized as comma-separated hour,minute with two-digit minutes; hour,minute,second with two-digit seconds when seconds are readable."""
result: 10,10
